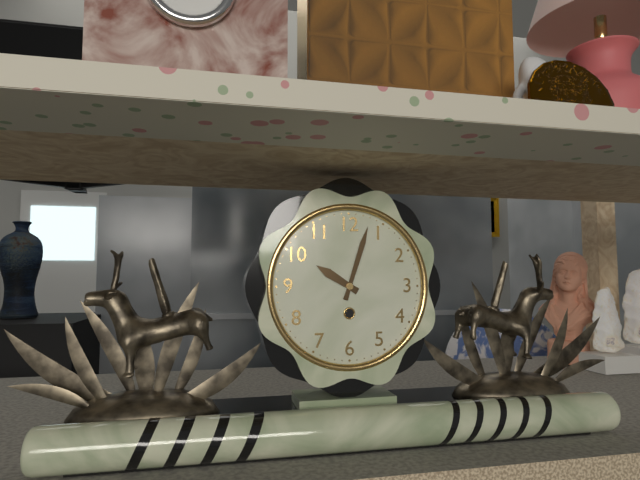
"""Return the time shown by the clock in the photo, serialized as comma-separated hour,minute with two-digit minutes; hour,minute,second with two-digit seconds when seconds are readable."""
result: 10,03
